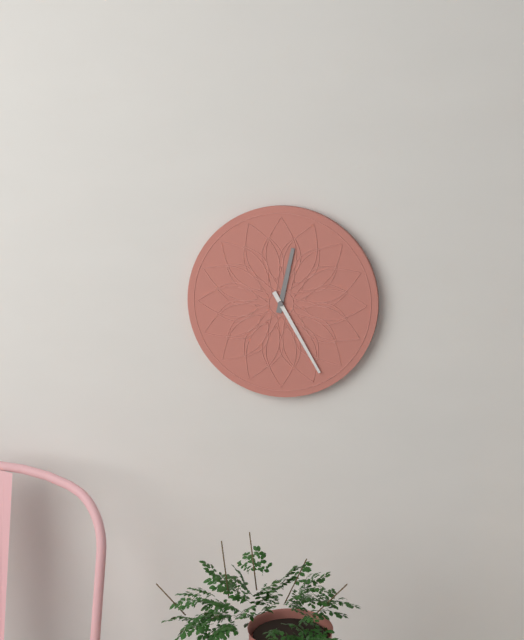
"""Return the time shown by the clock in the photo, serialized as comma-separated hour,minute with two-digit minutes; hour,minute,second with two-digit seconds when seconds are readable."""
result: 12,25
